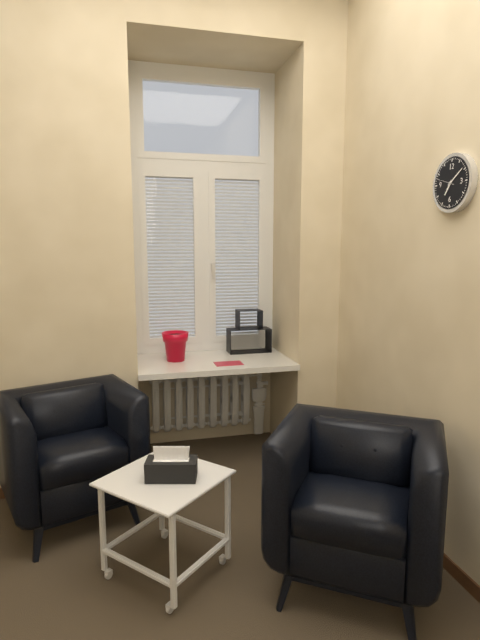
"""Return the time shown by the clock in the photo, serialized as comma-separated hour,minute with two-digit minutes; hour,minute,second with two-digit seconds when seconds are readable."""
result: 7,09
